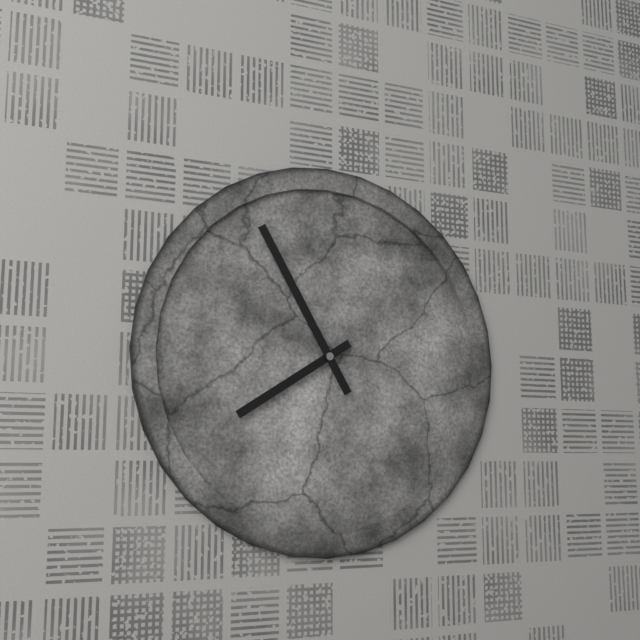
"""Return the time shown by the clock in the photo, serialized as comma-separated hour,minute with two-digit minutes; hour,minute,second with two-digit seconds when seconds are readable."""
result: 7,55
